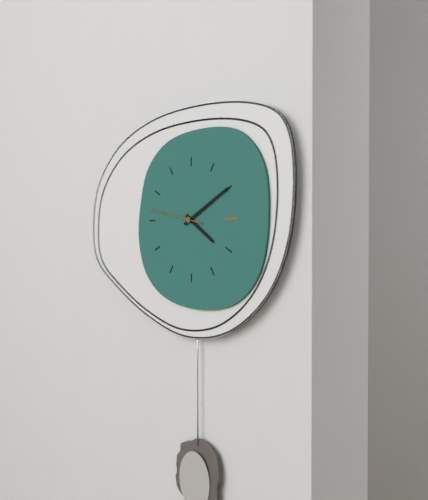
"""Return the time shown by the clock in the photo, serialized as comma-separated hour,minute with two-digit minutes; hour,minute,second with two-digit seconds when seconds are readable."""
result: 4,10,47
